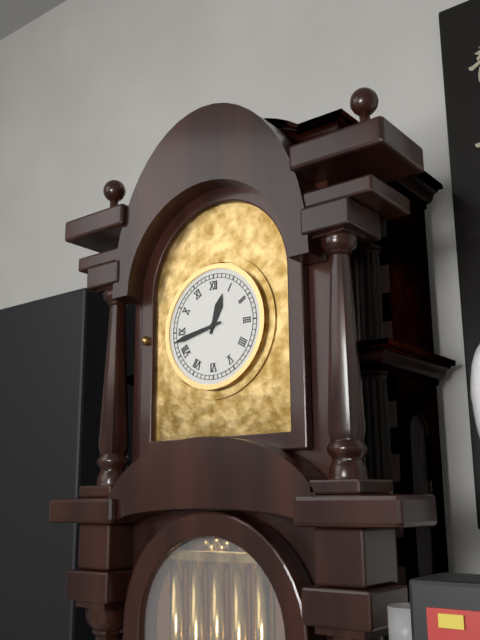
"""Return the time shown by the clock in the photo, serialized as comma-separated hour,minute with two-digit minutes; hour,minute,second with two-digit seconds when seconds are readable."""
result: 12,43
